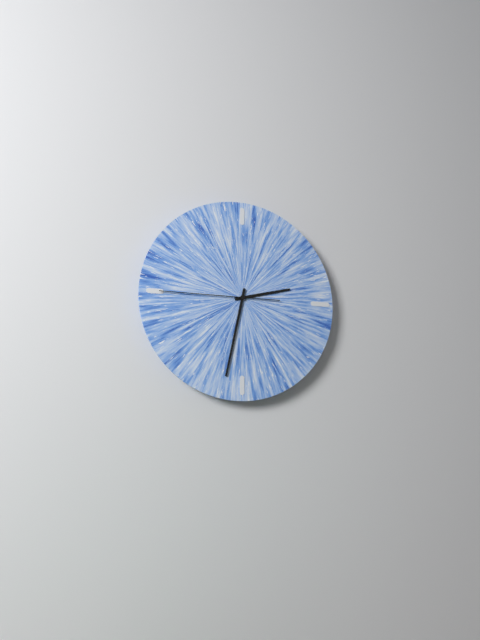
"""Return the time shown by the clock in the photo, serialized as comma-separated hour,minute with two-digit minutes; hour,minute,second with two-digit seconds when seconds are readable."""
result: 2,32,45
